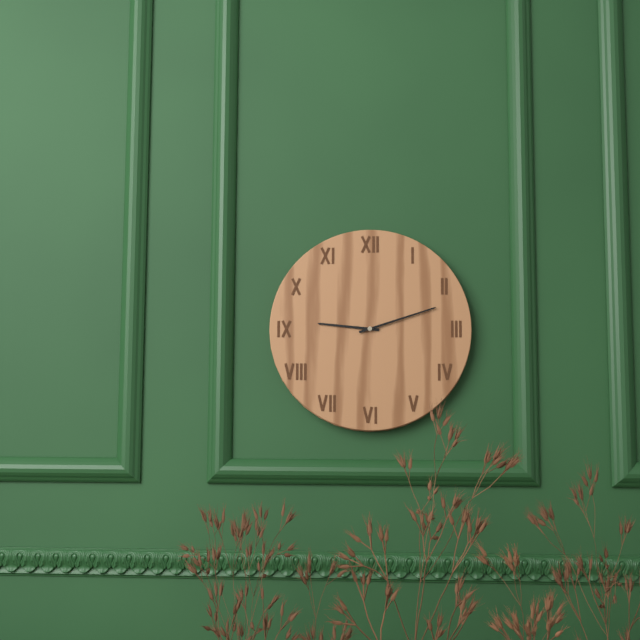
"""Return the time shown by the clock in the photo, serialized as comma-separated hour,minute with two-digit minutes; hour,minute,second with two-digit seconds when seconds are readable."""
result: 9,12
